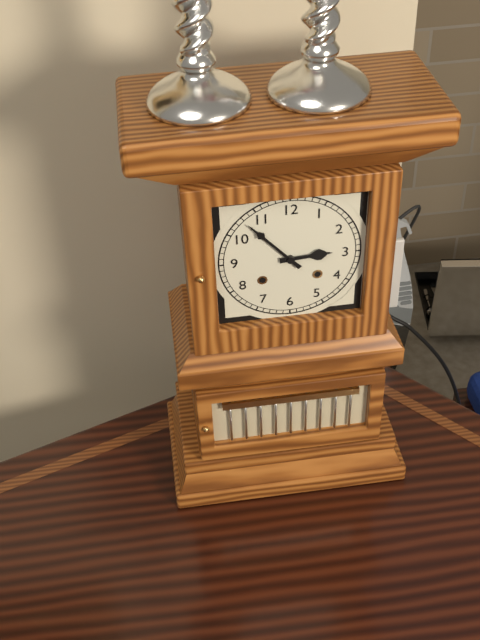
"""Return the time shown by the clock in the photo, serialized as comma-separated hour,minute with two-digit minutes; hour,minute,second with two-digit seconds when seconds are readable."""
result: 2,53
